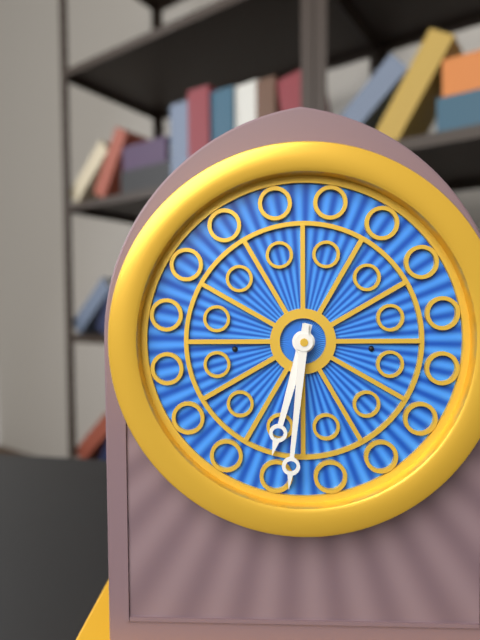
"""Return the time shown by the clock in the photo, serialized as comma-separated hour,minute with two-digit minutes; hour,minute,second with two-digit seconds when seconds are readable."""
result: 6,31
